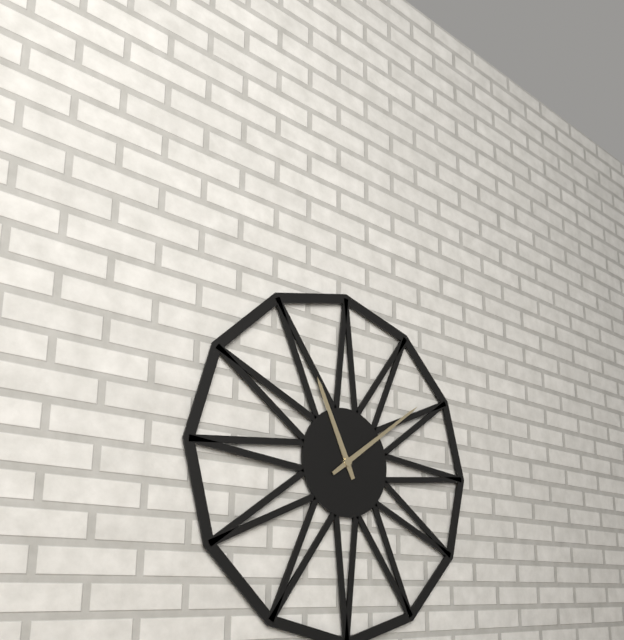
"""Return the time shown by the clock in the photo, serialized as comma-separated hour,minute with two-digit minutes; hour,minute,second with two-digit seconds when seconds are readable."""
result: 11,09
